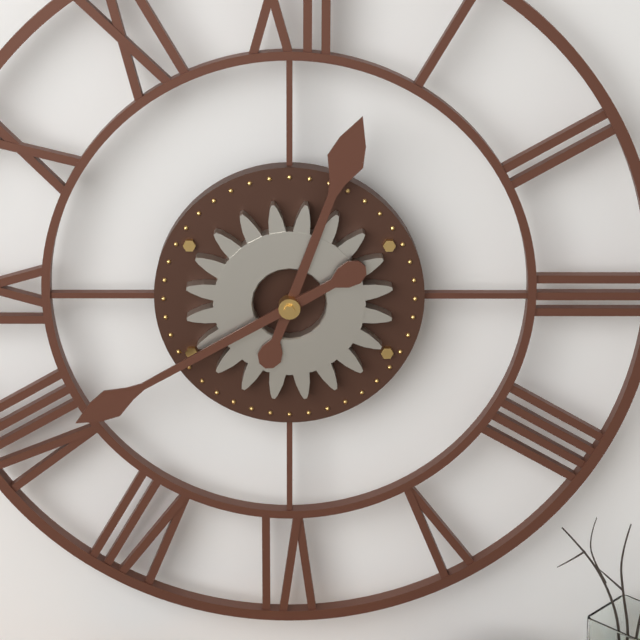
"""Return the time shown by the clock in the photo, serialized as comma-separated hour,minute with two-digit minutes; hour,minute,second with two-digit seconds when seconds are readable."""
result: 12,40
